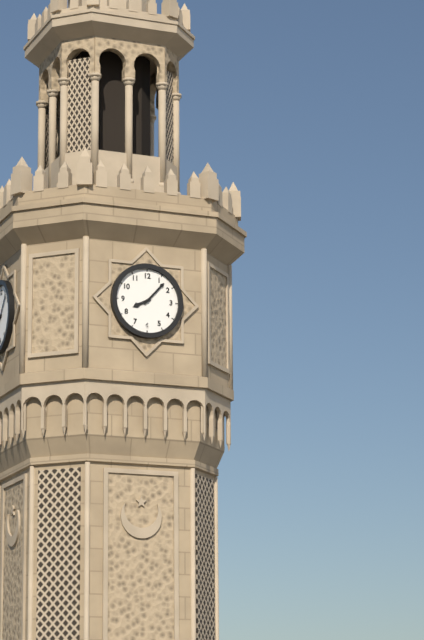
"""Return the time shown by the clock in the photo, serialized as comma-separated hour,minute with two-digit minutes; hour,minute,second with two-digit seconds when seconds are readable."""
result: 8,07
